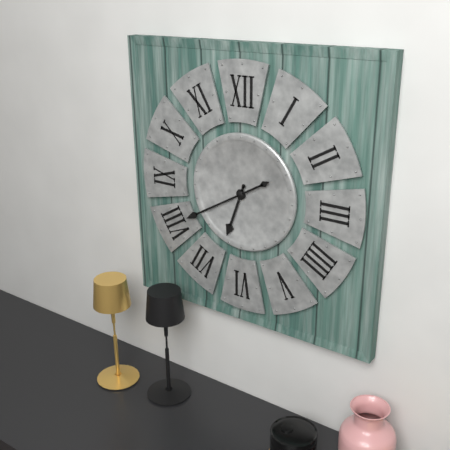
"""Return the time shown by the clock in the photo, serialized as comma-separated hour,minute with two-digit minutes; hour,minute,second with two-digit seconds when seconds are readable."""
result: 6,40
